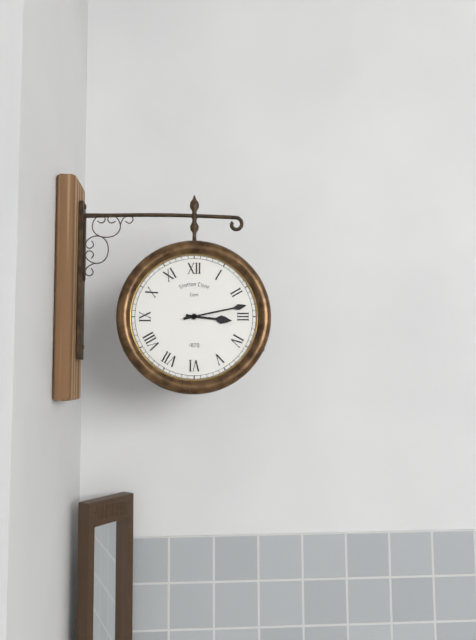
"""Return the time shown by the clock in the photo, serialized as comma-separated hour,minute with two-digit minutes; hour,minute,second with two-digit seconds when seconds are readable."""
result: 3,13
